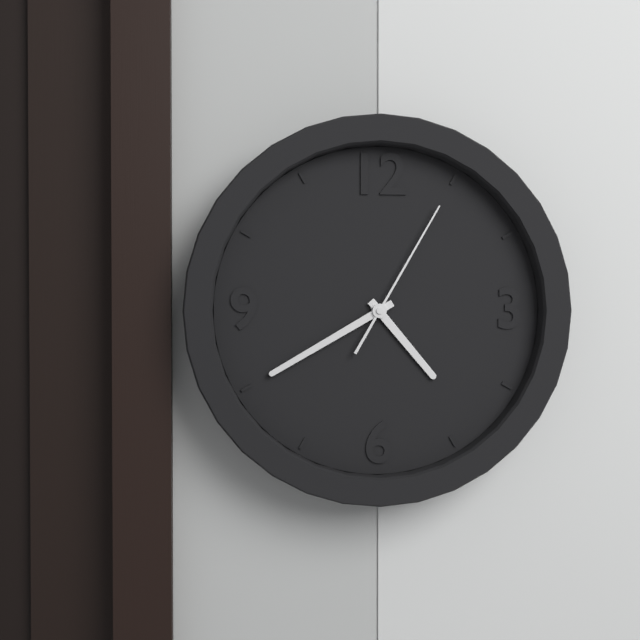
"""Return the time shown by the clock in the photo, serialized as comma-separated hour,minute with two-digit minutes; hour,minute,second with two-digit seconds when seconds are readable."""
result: 4,40,05
